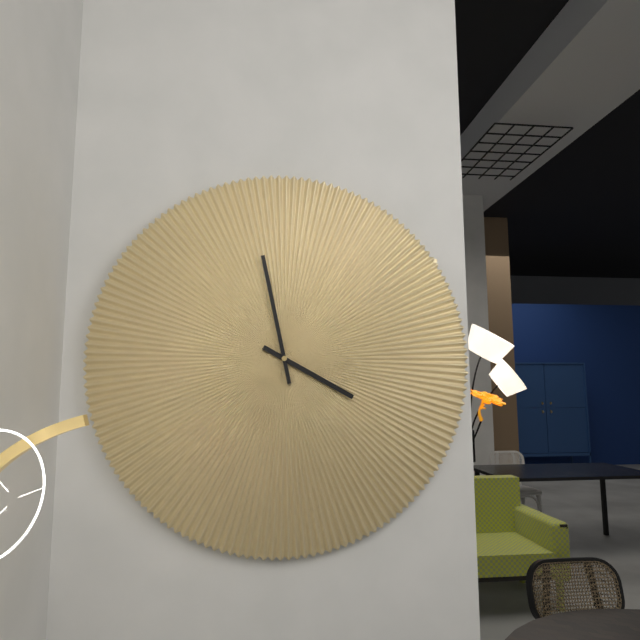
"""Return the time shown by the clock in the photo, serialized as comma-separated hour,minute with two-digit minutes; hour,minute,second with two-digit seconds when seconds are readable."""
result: 3,58
